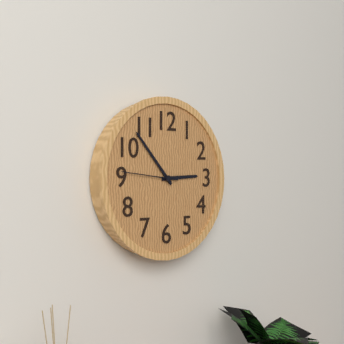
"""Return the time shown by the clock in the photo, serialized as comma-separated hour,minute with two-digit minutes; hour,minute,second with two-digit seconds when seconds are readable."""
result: 2,53,46
